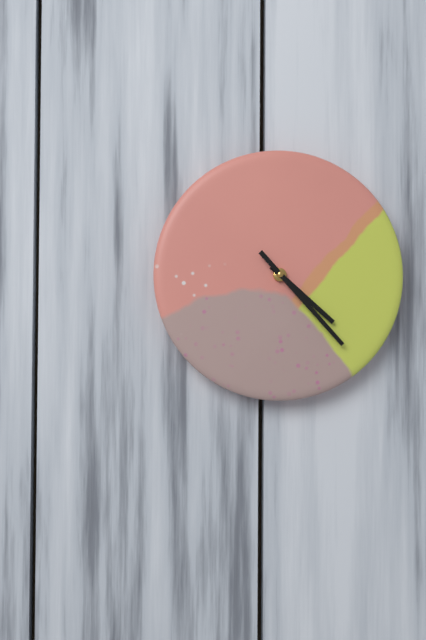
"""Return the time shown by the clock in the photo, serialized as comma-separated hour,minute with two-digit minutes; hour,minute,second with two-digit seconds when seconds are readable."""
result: 4,23
